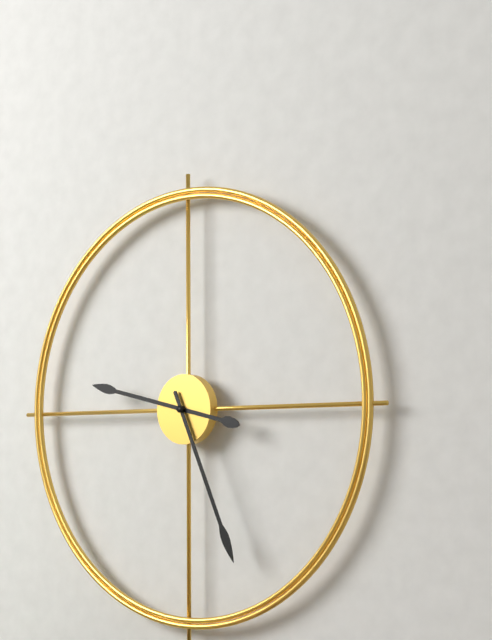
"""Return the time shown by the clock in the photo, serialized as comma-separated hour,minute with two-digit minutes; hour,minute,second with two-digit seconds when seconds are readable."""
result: 9,26
